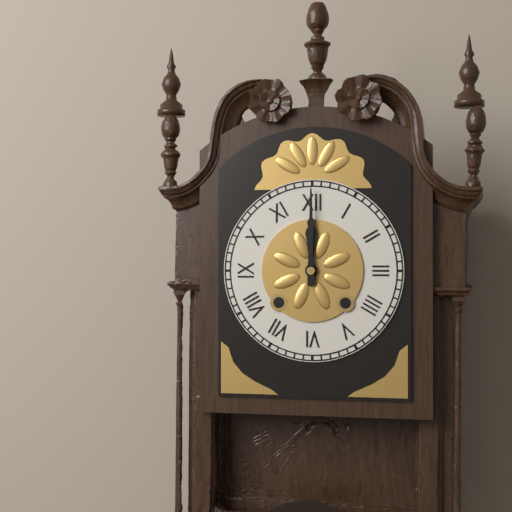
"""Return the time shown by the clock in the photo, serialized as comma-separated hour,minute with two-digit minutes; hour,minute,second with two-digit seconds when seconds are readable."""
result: 12,00
